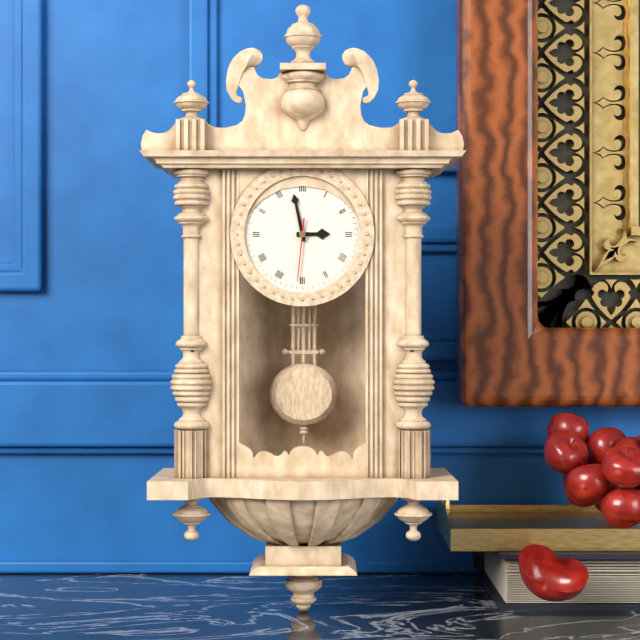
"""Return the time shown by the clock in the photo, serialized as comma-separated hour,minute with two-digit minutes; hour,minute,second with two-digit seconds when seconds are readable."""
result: 2,58,31
